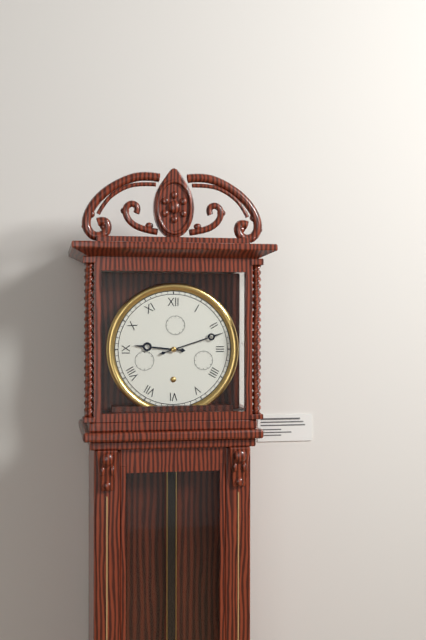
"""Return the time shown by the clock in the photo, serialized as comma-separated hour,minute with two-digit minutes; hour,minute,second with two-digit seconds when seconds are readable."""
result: 9,12
